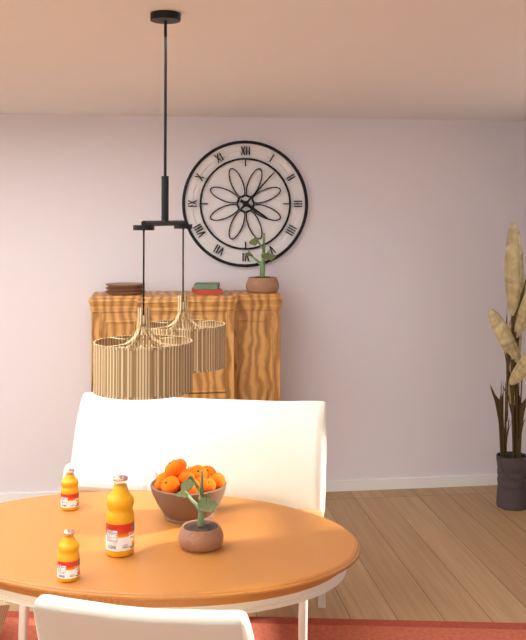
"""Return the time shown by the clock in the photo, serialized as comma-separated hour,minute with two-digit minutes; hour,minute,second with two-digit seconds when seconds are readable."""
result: 4,07
